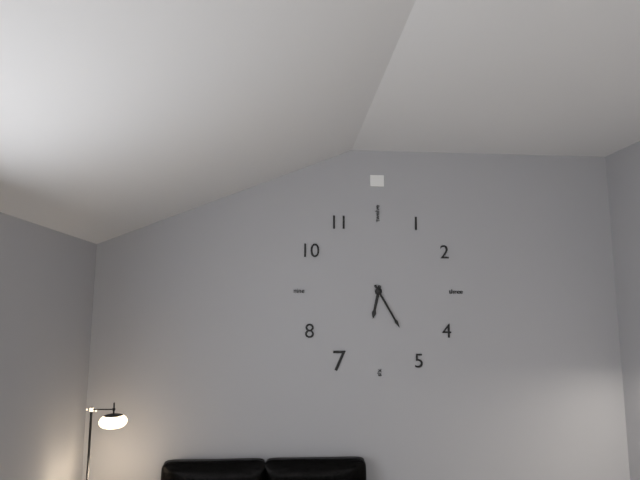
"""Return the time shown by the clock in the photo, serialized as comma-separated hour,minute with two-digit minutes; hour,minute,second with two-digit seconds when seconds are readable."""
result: 6,25
